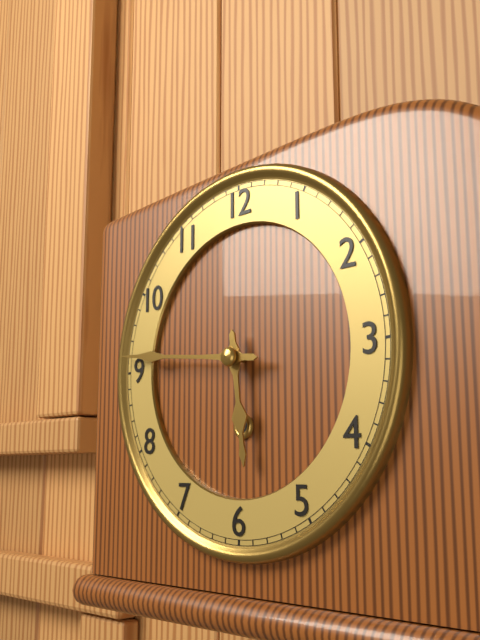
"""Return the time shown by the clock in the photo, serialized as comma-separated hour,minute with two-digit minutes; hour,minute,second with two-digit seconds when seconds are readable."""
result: 5,46
